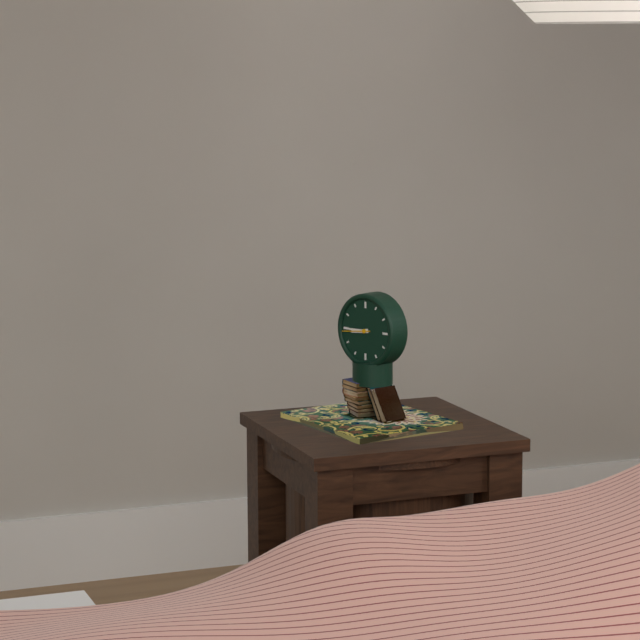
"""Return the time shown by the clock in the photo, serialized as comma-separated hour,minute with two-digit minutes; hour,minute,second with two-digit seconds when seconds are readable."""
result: 8,45
